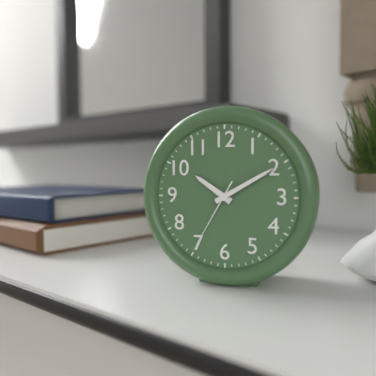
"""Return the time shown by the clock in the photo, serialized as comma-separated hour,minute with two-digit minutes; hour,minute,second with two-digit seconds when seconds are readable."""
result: 10,10,35
